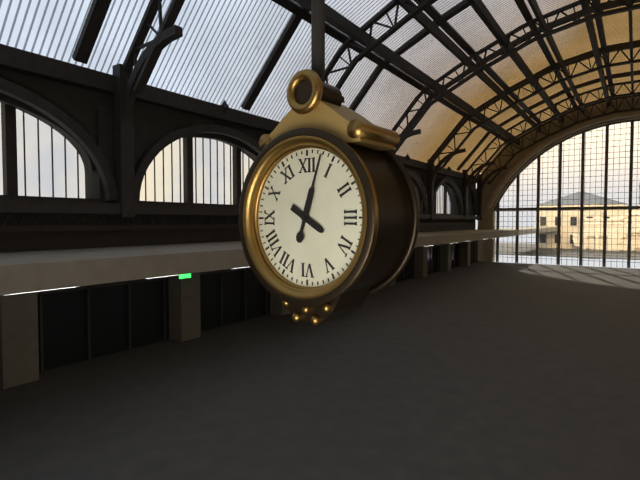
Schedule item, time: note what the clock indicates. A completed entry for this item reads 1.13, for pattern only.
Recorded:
4.03
